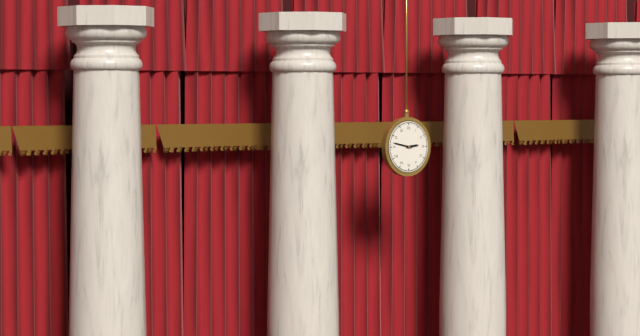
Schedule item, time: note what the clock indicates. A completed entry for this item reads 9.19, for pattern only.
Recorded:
2.47
